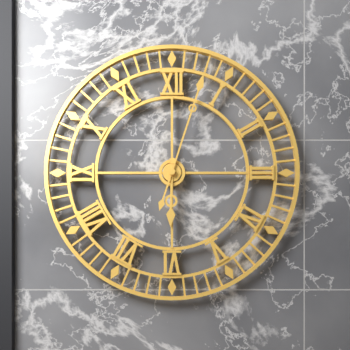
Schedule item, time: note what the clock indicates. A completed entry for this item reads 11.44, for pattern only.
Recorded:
6.03
